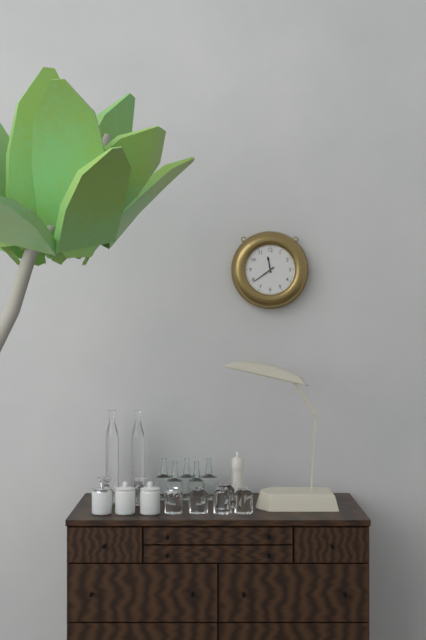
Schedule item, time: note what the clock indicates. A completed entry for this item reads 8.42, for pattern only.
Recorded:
11.39
